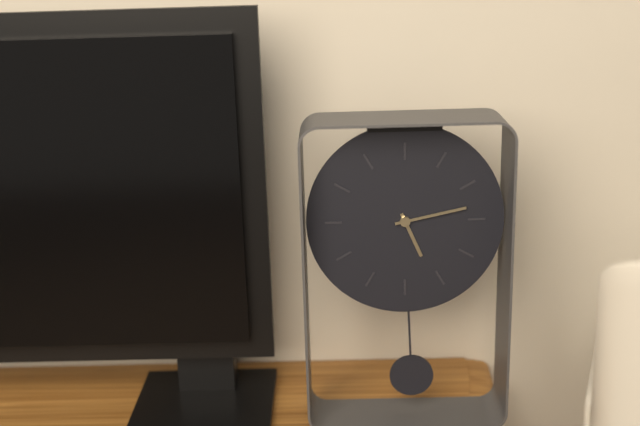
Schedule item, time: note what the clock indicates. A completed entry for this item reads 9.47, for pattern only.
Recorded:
5.13
